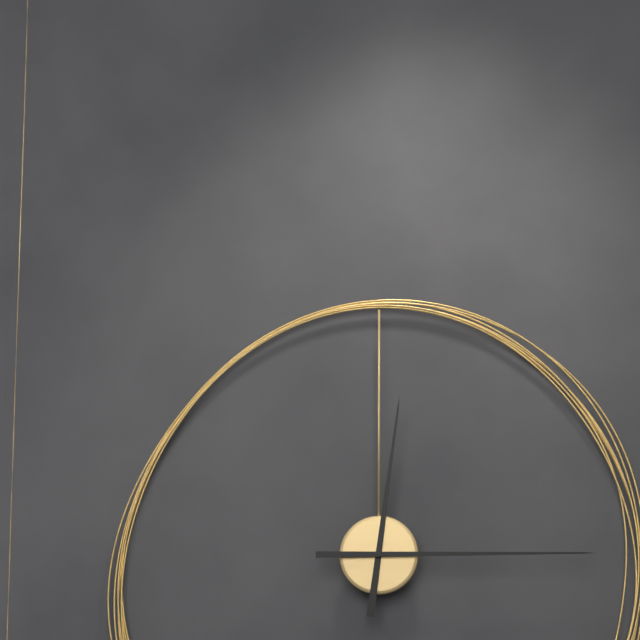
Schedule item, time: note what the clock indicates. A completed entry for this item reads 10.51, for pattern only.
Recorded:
12.15
